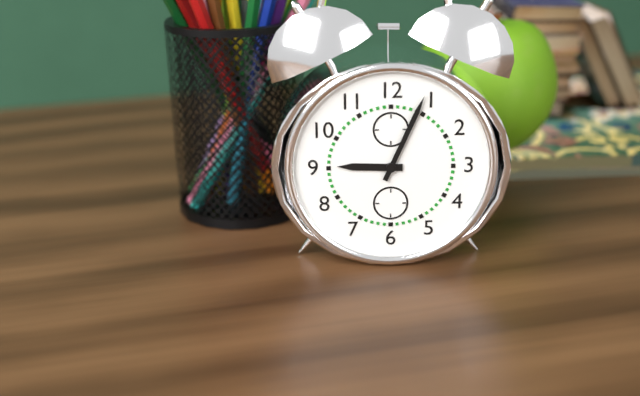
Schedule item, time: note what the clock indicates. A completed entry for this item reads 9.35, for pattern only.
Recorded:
9.04
